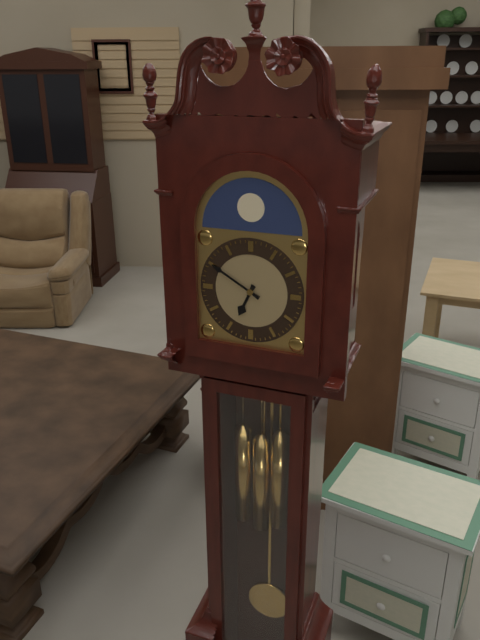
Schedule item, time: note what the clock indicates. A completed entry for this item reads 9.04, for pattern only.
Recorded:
6.50
